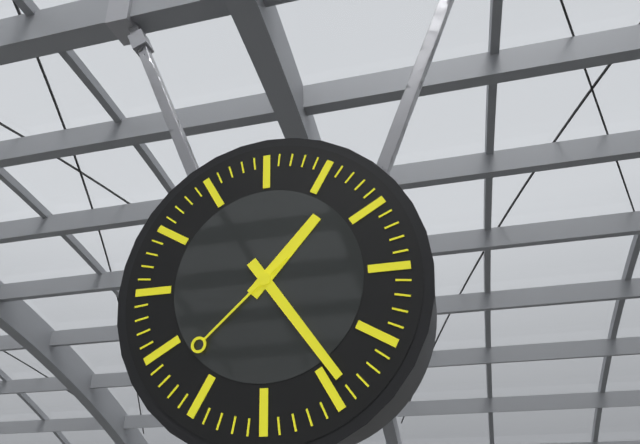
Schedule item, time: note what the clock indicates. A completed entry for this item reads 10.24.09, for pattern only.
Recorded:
1.24.38
